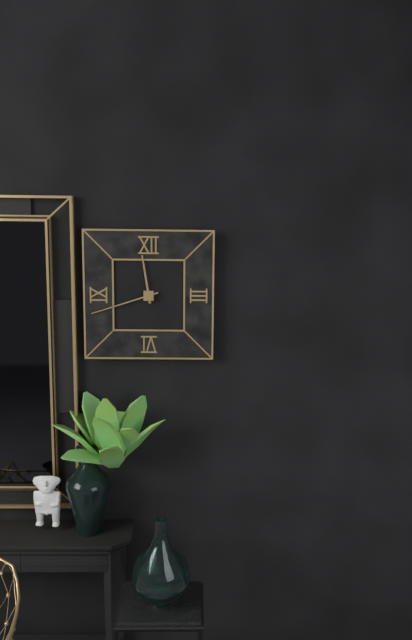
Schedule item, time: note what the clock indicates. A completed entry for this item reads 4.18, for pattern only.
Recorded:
11.42
